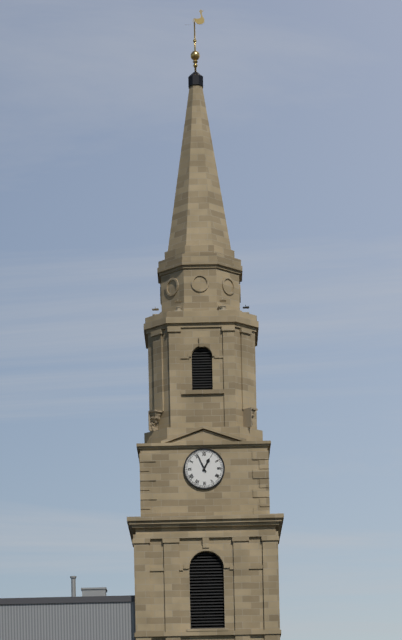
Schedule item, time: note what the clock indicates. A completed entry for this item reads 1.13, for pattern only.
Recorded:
12.56
